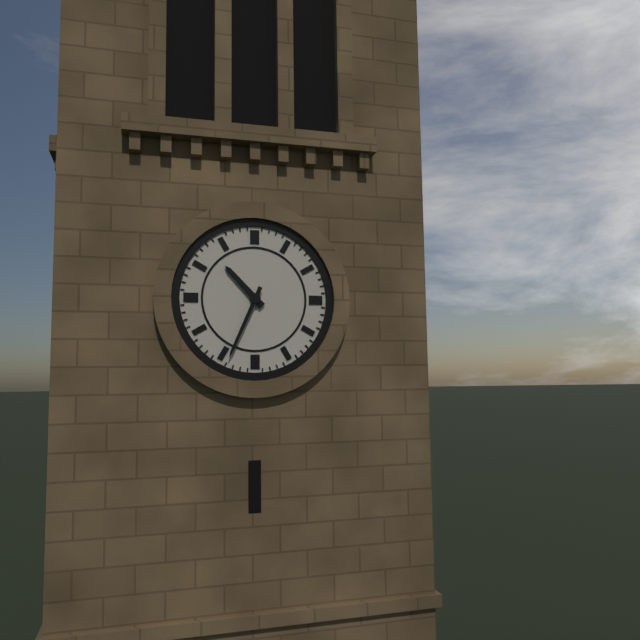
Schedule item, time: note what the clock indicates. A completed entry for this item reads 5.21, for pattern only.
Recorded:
10.34
